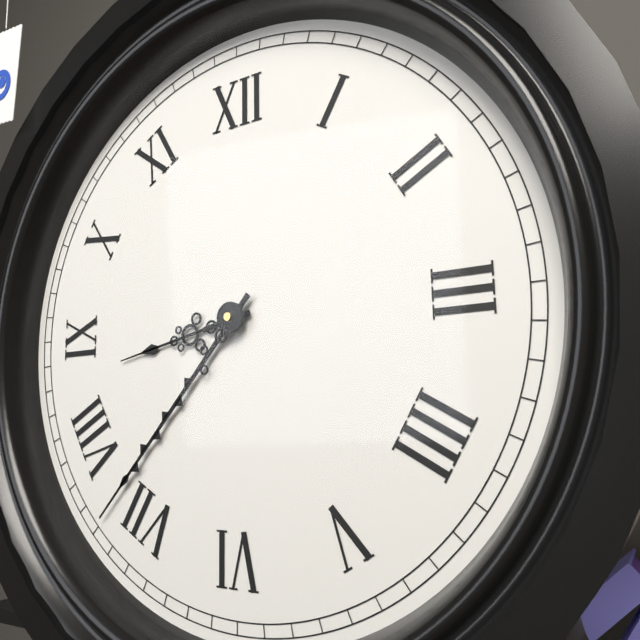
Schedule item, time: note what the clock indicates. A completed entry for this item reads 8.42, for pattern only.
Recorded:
8.37
